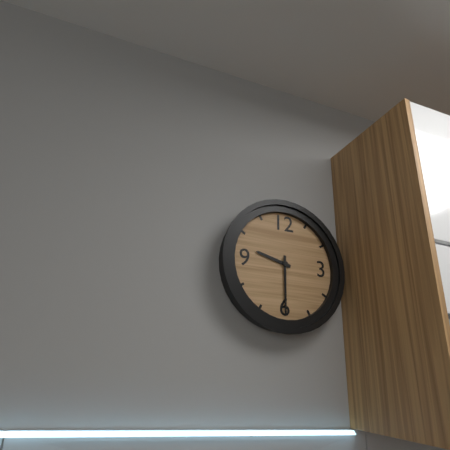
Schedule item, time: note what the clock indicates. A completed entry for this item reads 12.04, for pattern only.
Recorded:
9.30
